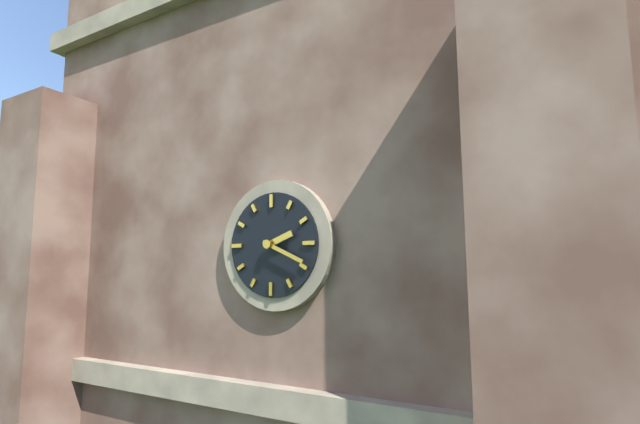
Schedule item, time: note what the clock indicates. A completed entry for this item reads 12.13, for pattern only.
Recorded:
2.19
